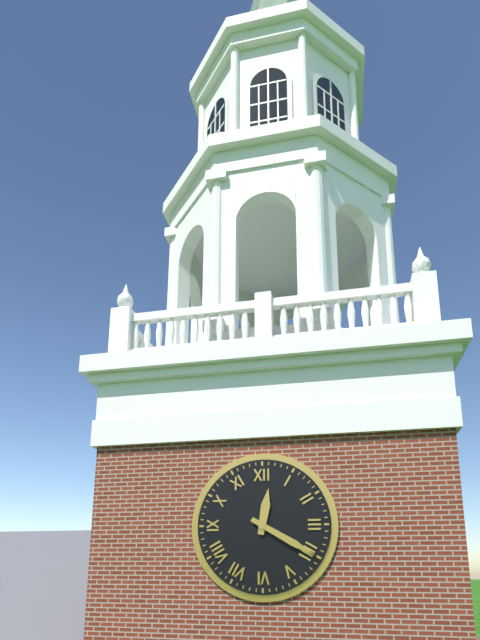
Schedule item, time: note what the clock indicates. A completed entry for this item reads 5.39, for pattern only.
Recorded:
12.20
